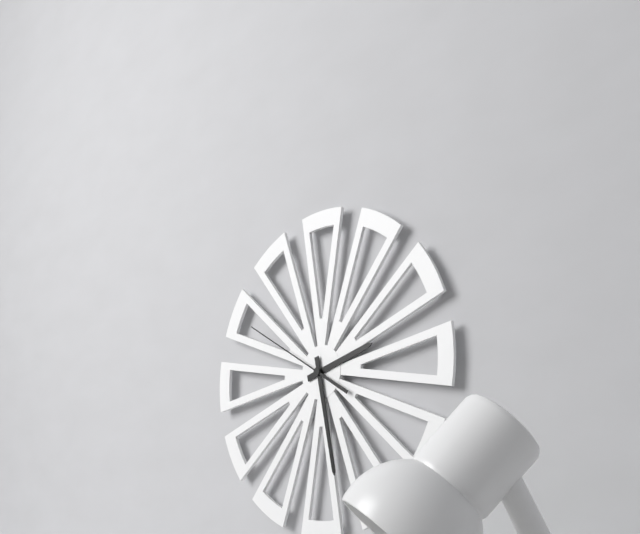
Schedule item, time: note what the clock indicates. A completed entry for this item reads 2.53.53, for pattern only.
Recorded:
2.28.50
